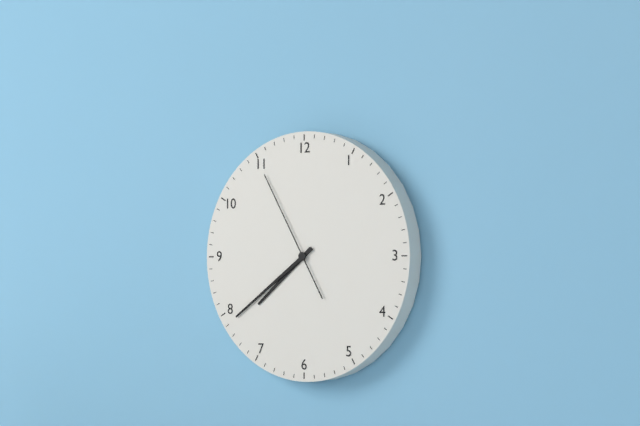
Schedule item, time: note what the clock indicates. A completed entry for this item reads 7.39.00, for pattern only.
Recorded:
7.39.55
